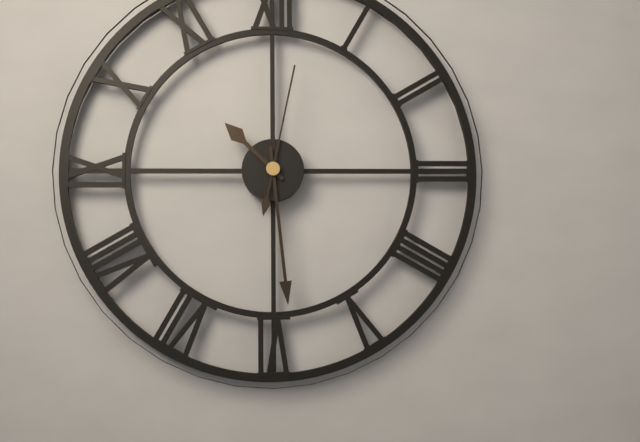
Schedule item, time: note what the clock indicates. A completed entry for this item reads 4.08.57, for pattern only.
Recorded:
10.29.02
